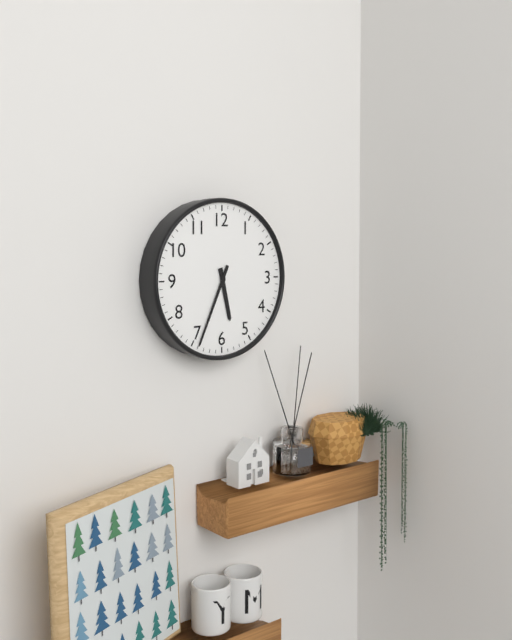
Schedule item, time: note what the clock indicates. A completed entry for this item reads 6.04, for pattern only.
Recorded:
5.34
